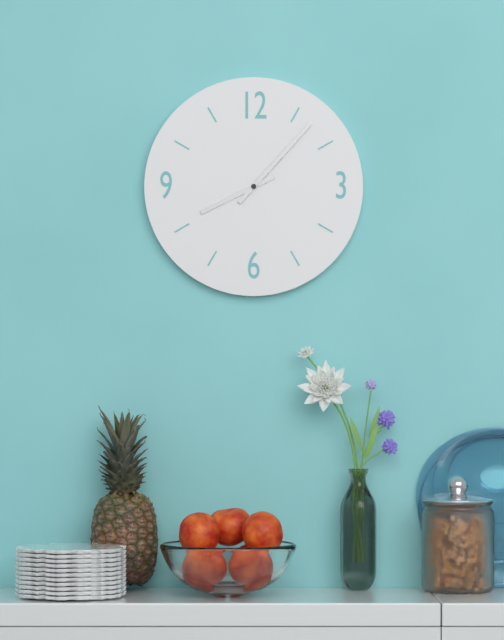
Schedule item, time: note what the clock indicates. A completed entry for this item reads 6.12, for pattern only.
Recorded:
8.07
